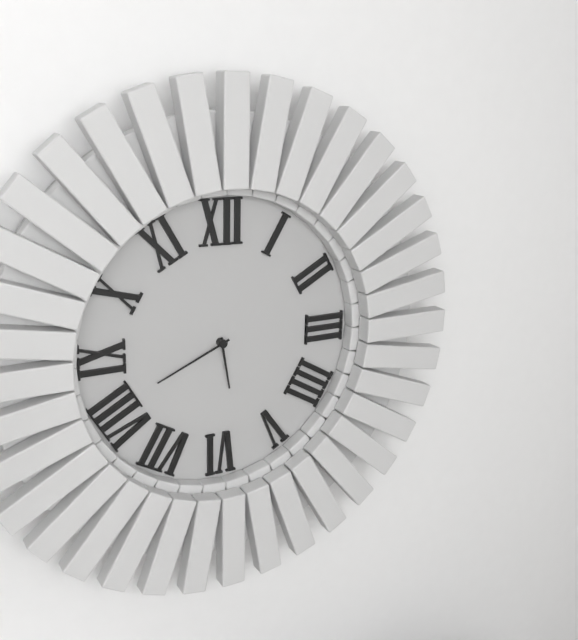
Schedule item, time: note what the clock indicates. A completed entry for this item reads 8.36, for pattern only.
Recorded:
5.41
